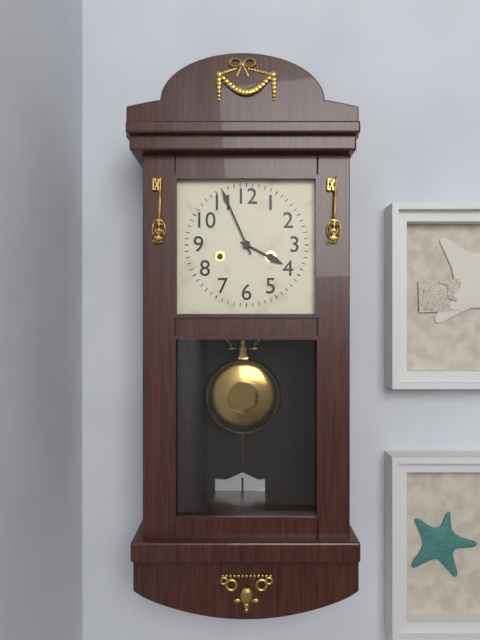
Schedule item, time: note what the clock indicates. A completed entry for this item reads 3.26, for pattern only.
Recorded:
3.56
